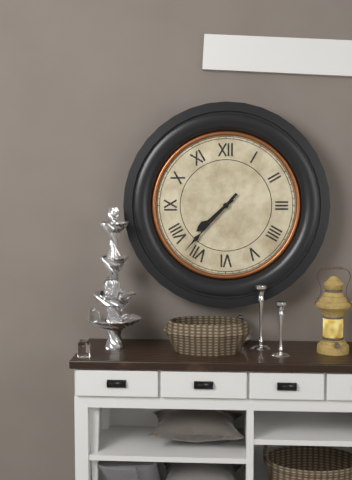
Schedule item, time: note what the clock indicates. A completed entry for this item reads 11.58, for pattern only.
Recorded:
7.37
